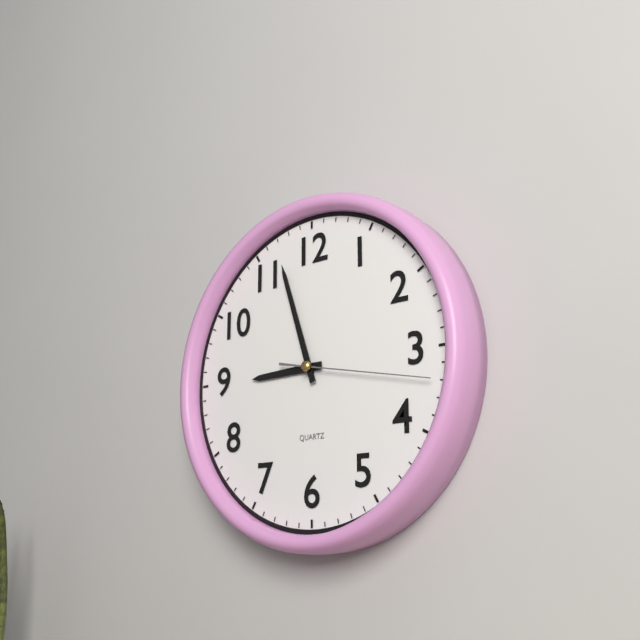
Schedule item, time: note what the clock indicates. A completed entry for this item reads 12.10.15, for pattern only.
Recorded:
8.57.17
